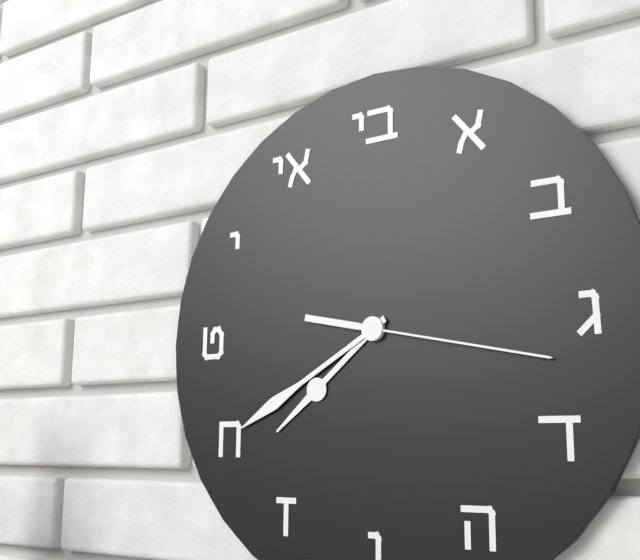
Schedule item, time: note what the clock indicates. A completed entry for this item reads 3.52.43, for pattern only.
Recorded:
7.40.17
